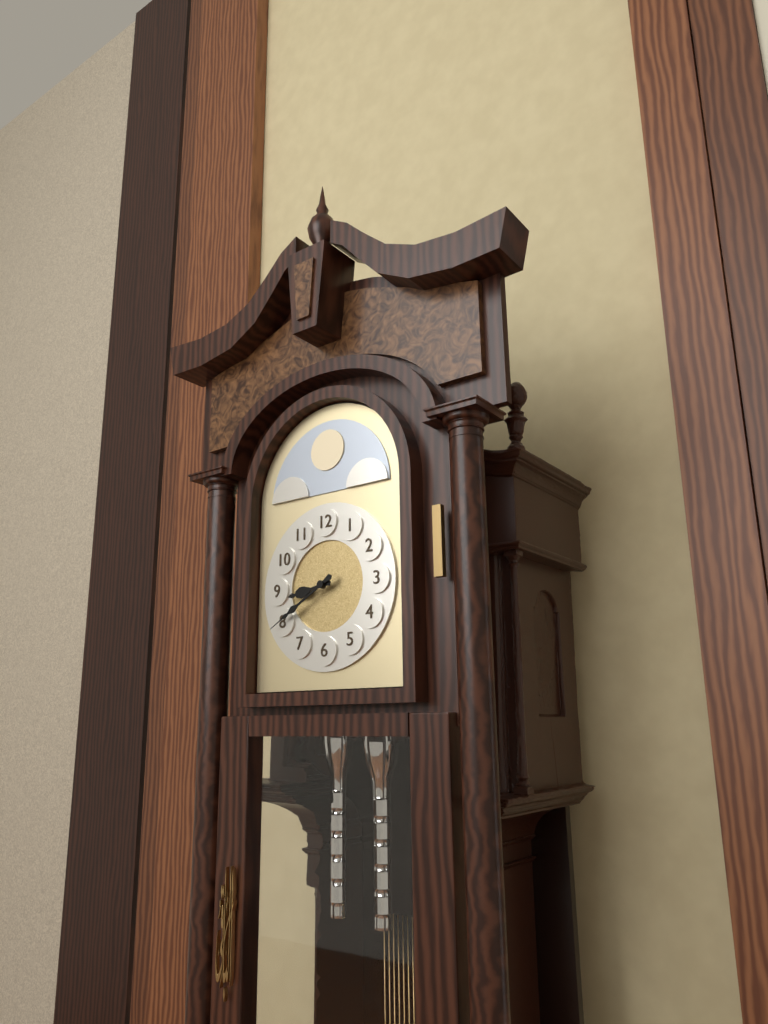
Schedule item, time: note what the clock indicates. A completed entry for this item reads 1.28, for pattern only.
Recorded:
8.40
